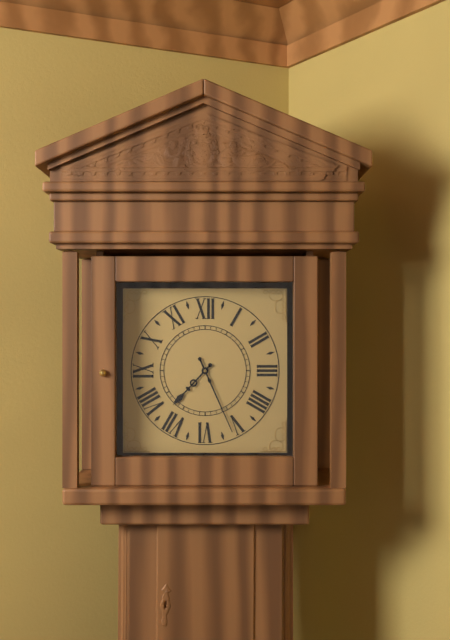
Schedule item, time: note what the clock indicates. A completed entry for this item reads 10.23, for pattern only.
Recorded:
7.26
